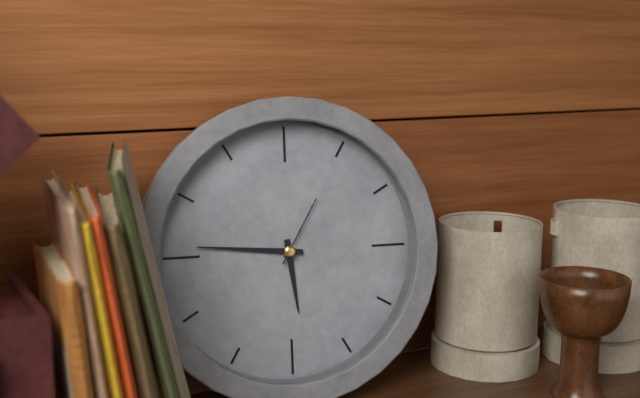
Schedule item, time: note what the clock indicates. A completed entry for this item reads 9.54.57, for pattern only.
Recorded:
5.46.05
